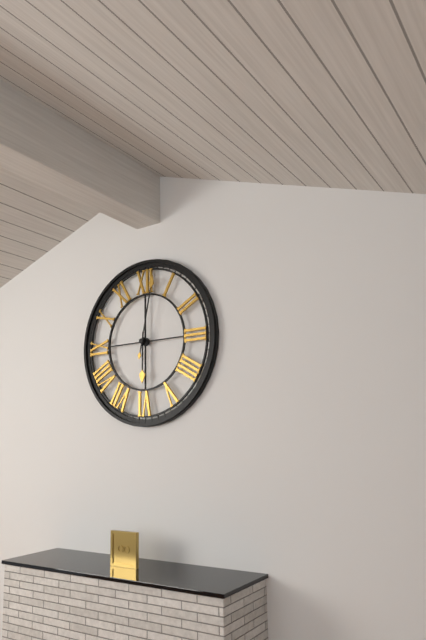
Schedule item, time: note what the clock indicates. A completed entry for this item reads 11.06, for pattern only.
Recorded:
6.02
